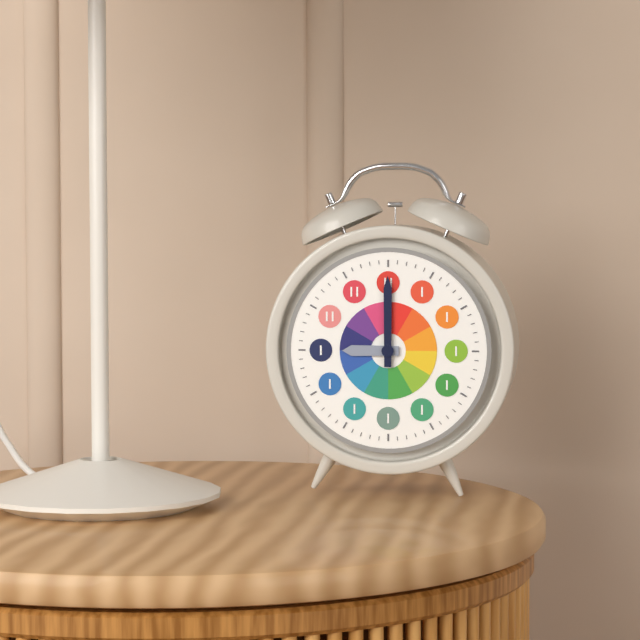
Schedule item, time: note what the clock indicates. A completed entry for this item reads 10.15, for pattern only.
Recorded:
9.00
